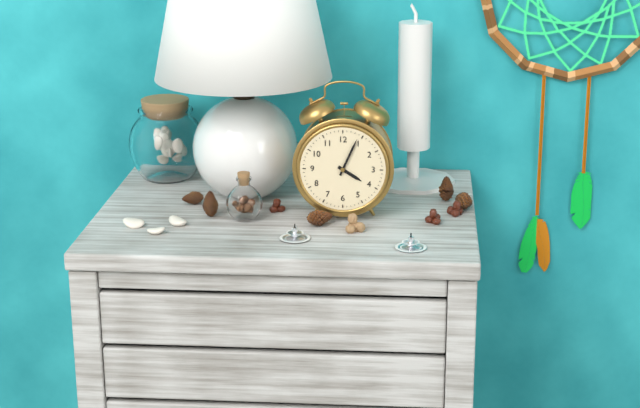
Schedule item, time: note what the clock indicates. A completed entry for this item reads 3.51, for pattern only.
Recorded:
4.04
